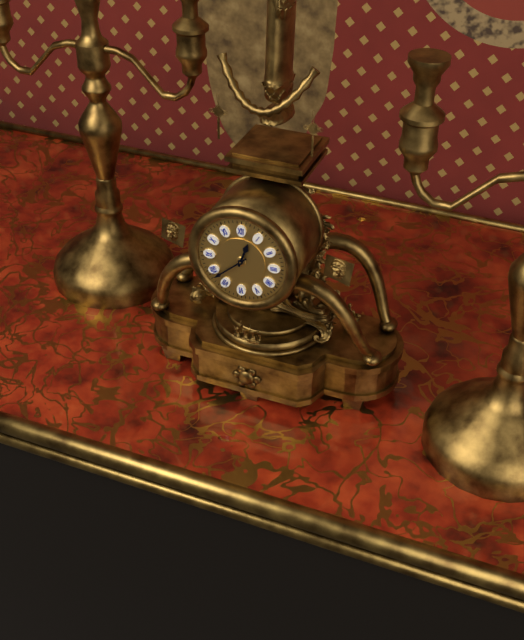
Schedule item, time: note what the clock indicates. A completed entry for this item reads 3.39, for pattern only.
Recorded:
12.38
